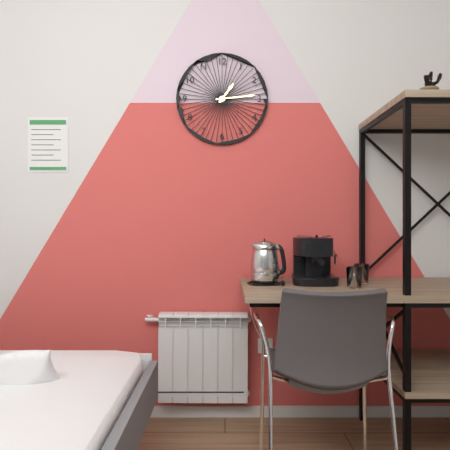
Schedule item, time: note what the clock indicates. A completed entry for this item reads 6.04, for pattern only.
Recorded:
1.14
